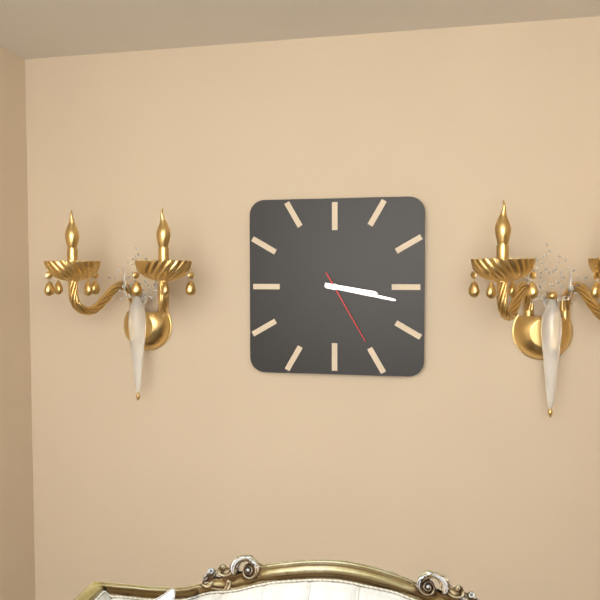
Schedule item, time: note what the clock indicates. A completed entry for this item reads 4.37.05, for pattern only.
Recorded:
3.17.25
